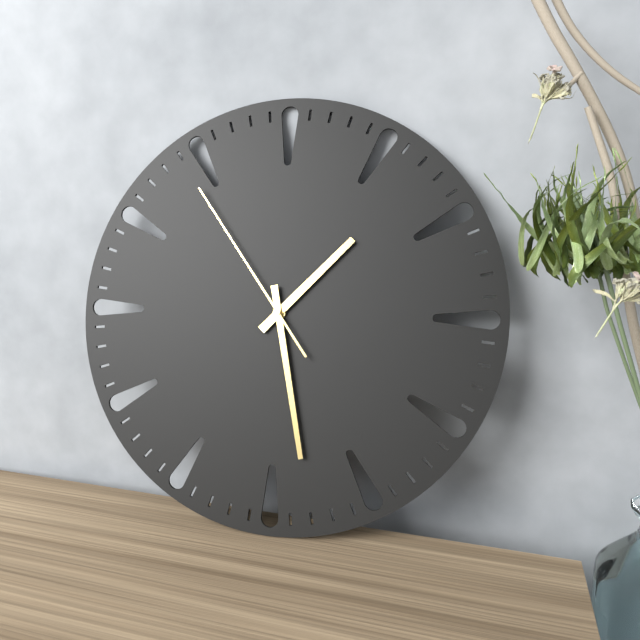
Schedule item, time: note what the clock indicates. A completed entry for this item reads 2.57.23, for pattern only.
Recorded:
1.28.54
